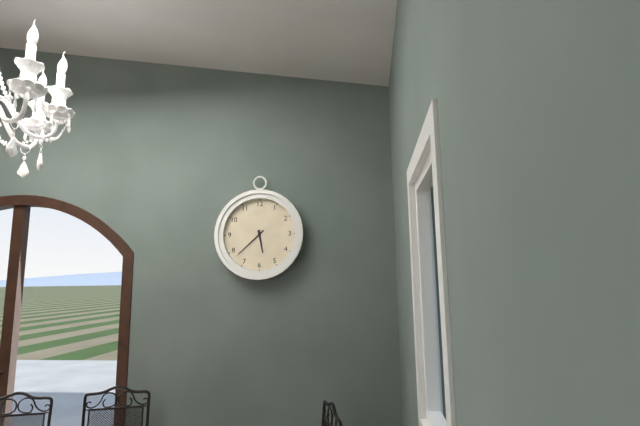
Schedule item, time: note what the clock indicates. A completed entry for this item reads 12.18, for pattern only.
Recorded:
5.38
